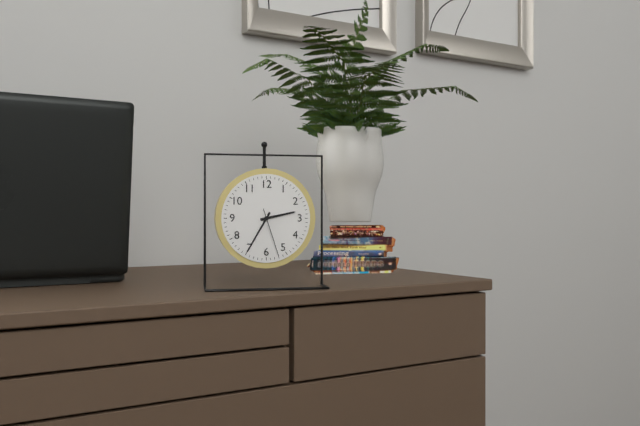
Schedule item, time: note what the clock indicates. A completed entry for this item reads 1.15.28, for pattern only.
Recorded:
2.35.27
